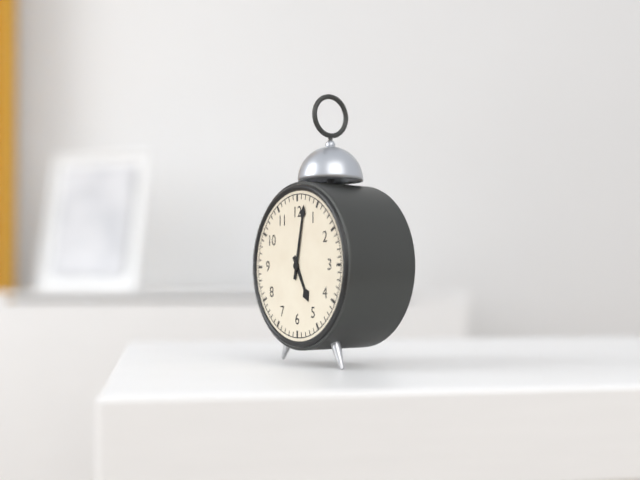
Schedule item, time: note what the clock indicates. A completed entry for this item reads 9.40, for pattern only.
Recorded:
5.02
